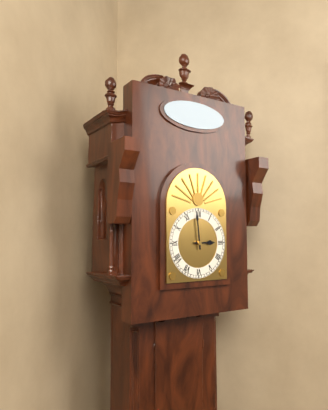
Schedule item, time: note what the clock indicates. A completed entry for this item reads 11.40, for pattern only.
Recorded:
2.59
